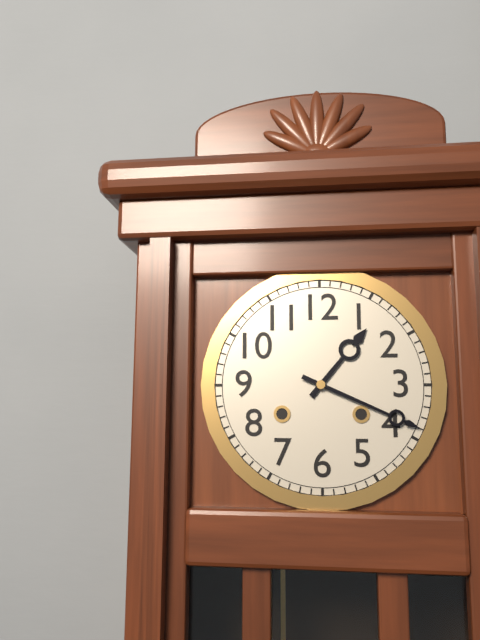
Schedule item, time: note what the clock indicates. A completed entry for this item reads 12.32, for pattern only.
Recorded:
1.19
